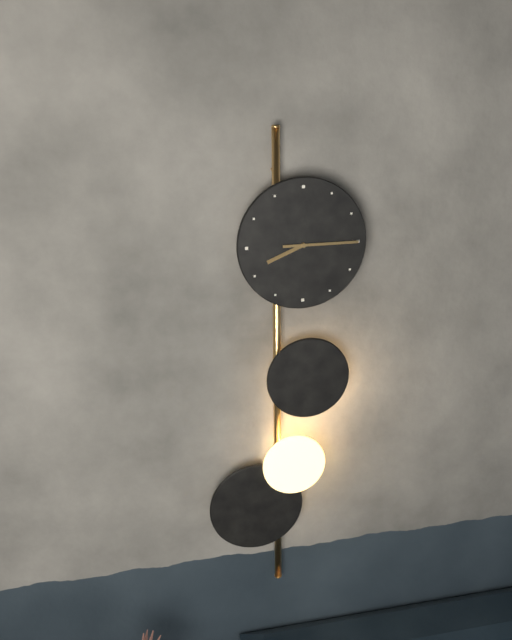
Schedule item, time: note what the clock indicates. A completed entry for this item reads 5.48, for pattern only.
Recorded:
8.15
